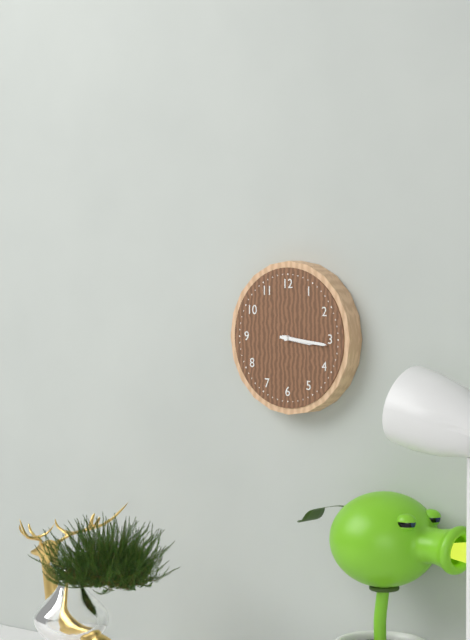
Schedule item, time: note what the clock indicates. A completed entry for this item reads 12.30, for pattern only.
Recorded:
3.16
